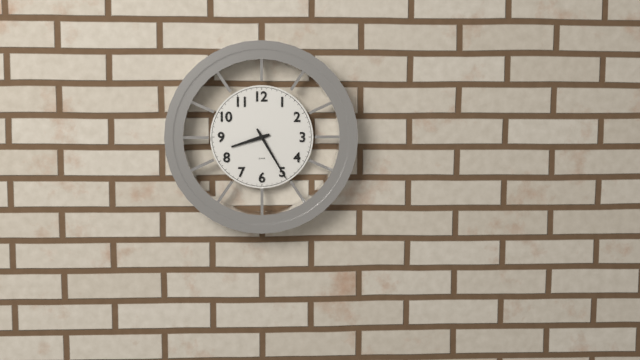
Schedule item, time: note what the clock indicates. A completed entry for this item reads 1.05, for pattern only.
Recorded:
8.25
